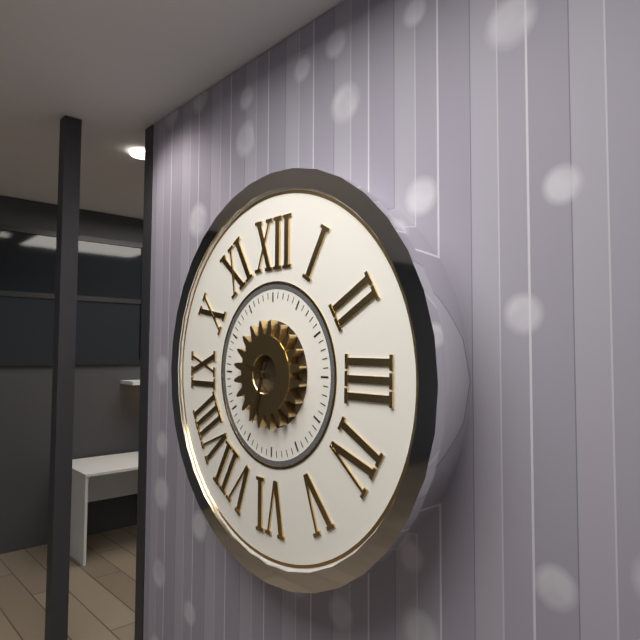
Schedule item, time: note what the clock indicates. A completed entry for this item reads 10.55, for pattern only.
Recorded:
9.33
